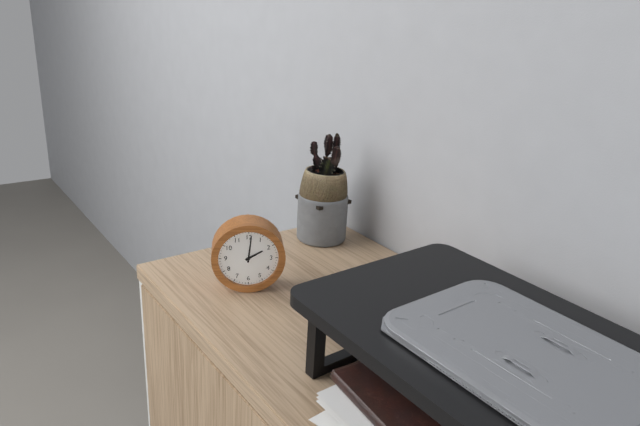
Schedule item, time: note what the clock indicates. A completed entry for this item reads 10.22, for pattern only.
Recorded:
2.01
